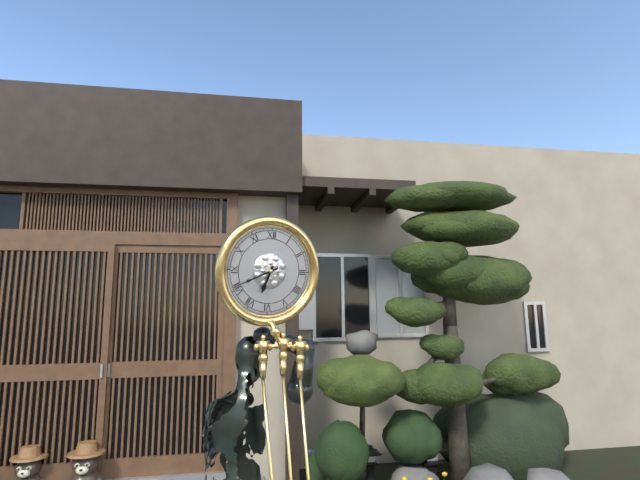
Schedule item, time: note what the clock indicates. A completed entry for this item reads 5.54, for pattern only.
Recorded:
6.41
